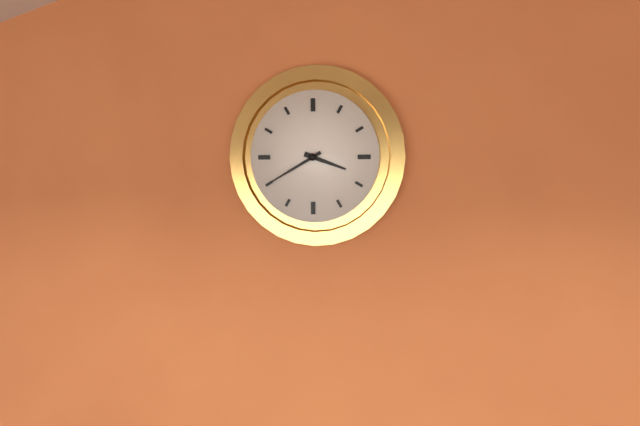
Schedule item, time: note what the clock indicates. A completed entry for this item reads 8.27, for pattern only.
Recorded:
3.40
